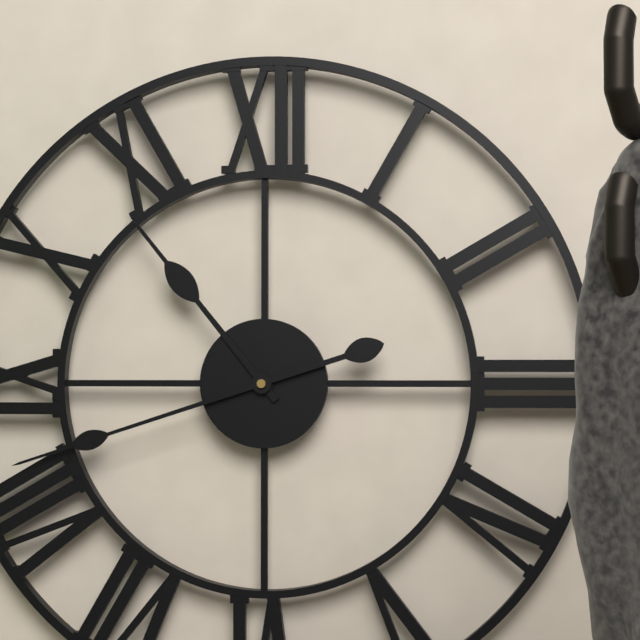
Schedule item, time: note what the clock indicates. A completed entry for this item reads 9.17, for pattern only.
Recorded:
10.42
